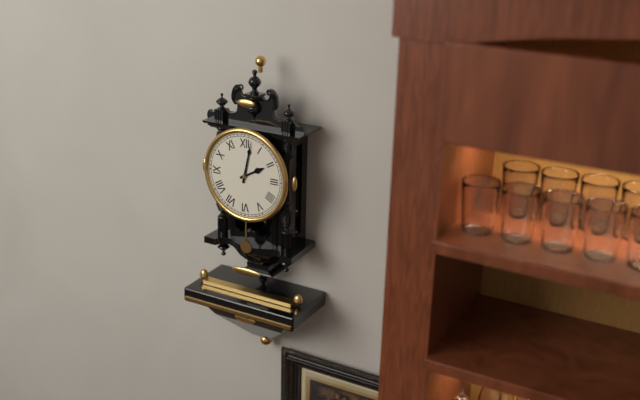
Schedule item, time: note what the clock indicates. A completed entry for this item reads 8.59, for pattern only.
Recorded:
2.02
